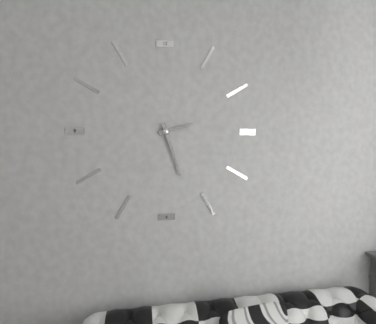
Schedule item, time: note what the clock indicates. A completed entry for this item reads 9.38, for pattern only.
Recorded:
2.27
